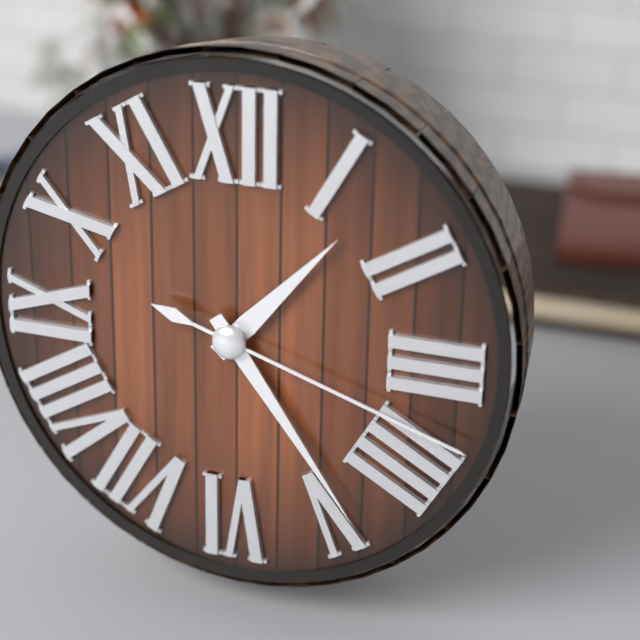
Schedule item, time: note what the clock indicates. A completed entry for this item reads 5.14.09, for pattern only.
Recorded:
1.24.18
